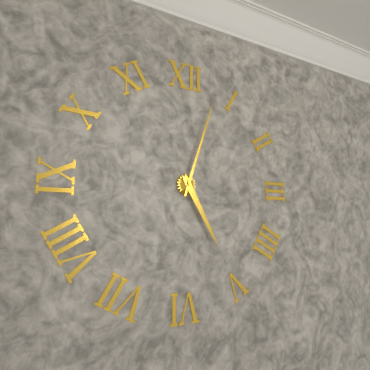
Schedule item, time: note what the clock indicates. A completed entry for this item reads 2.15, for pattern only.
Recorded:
5.03
